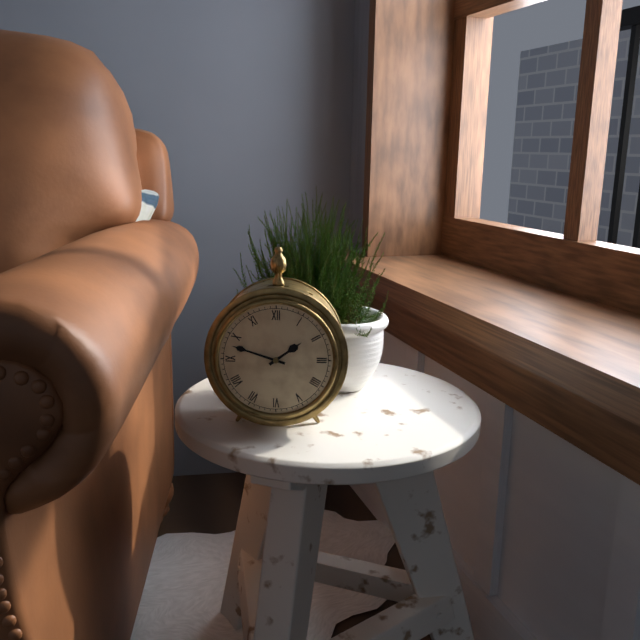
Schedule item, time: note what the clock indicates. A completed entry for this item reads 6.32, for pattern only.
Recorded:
1.48
